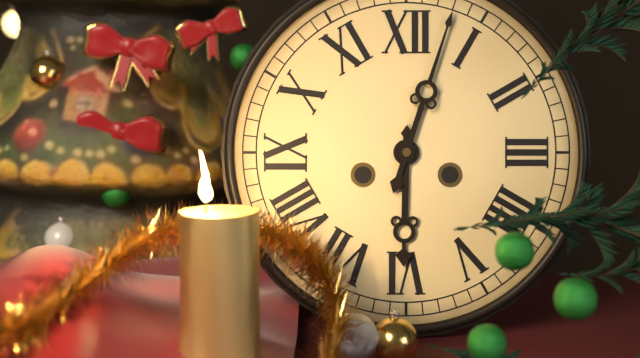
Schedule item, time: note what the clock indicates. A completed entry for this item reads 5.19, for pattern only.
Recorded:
6.03
